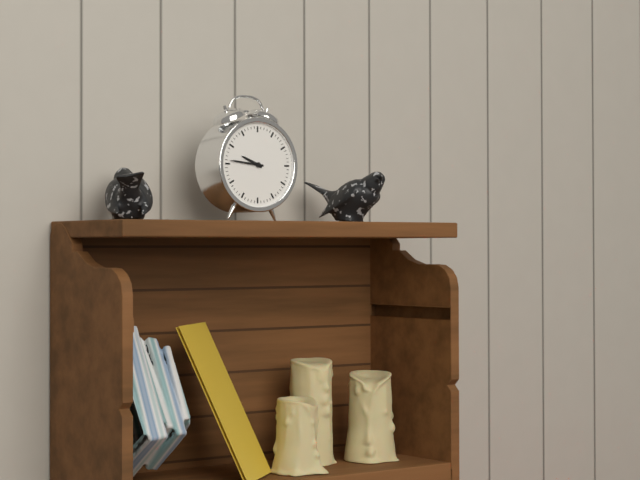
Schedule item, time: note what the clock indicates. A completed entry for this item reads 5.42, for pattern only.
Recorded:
9.46
